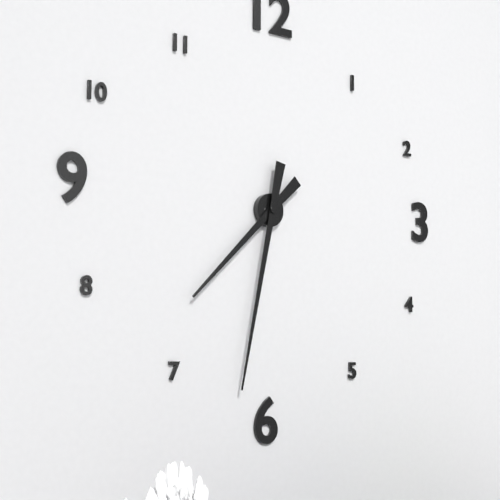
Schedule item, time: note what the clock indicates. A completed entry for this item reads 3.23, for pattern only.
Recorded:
7.32
